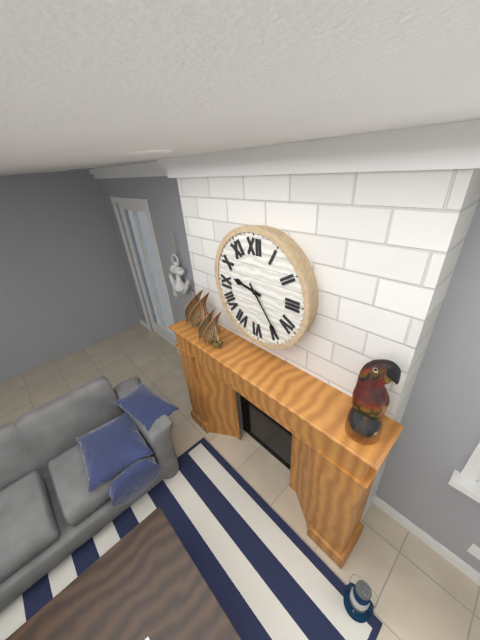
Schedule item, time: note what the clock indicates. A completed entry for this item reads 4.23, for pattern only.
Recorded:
9.24
